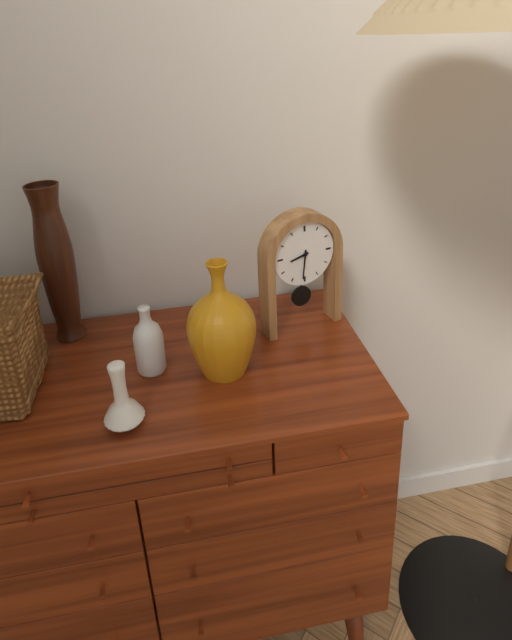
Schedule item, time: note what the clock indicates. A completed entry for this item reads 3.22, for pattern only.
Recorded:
8.31
